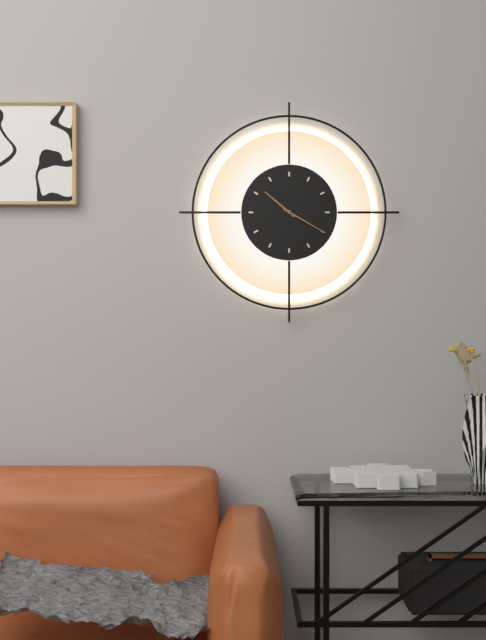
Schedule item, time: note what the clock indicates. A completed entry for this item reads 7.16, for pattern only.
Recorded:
10.20
